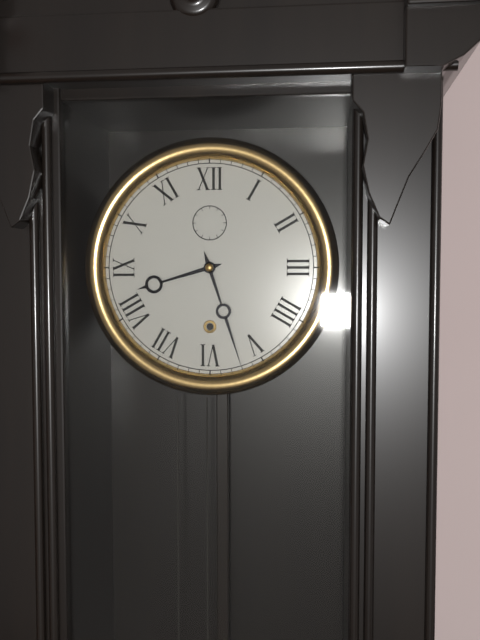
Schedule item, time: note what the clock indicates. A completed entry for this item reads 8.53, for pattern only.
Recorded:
8.27
